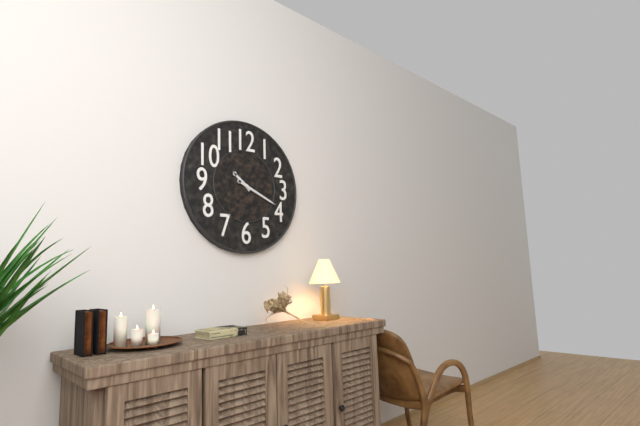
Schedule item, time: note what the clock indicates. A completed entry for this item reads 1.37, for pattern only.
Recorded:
10.19
